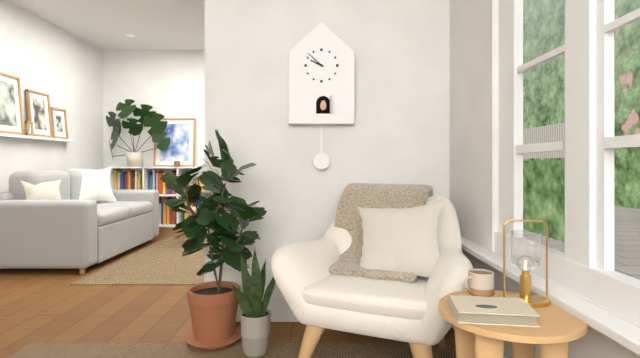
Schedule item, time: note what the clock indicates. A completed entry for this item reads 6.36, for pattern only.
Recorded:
9.52
